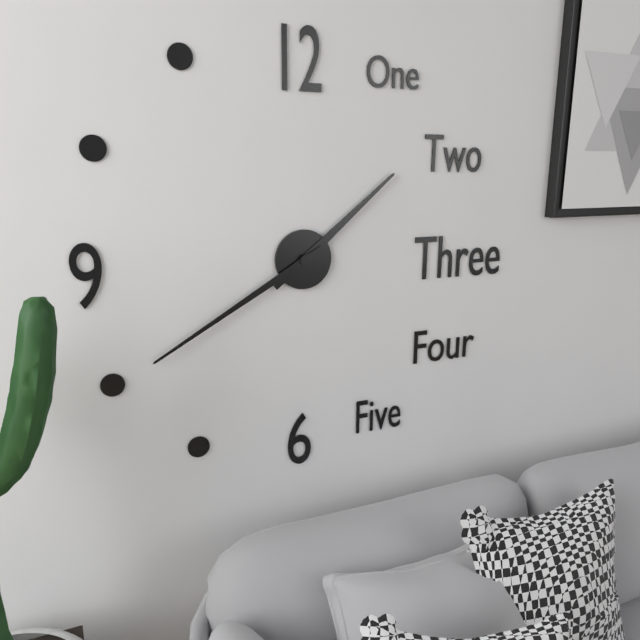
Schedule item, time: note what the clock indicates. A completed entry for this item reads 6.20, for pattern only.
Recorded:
1.40
